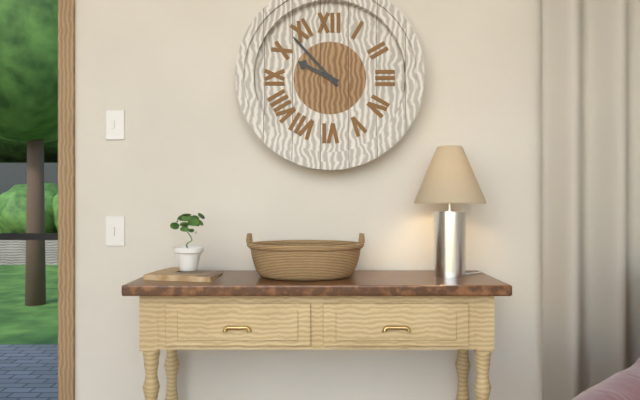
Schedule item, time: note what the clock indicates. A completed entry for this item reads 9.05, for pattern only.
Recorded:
9.53
